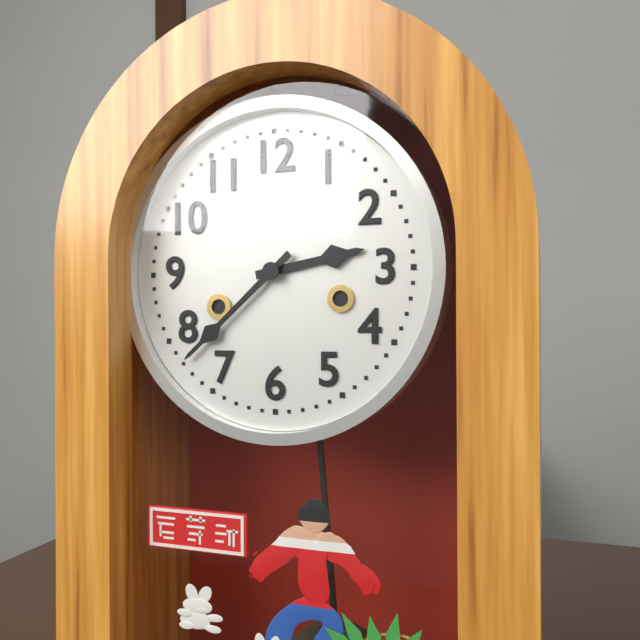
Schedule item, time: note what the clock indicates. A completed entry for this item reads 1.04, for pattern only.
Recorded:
2.38
